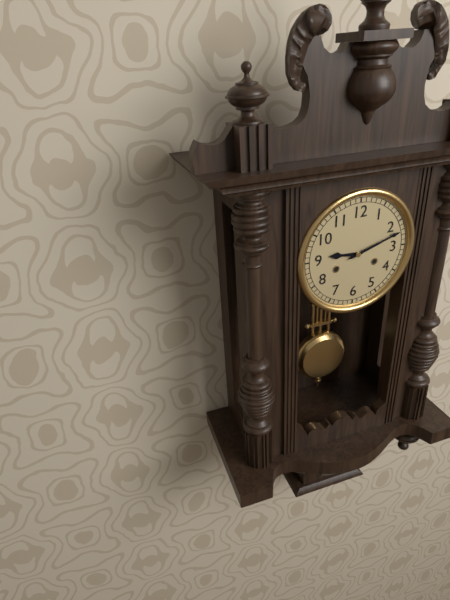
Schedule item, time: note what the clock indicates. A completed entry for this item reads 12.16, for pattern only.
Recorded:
9.12
